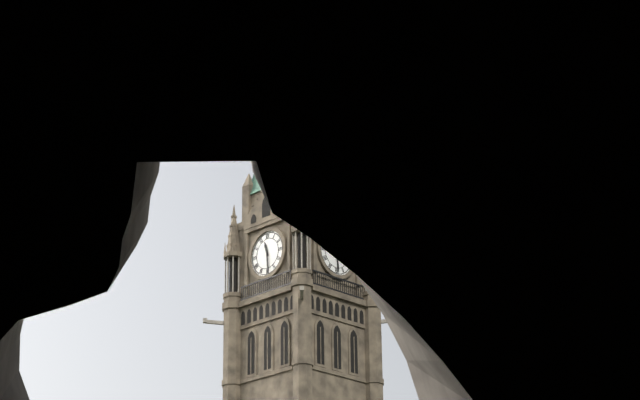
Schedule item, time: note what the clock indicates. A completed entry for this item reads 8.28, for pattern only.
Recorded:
11.29
